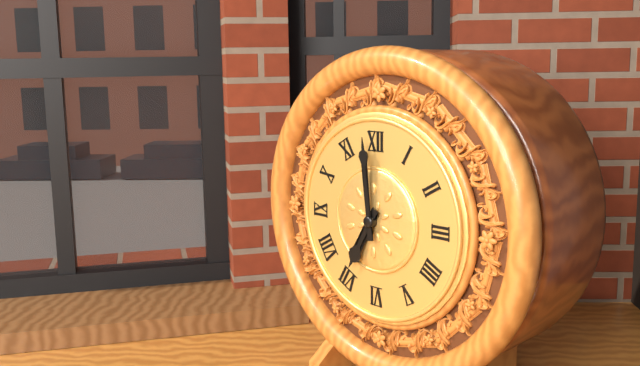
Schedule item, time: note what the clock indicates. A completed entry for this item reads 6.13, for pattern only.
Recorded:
6.59
